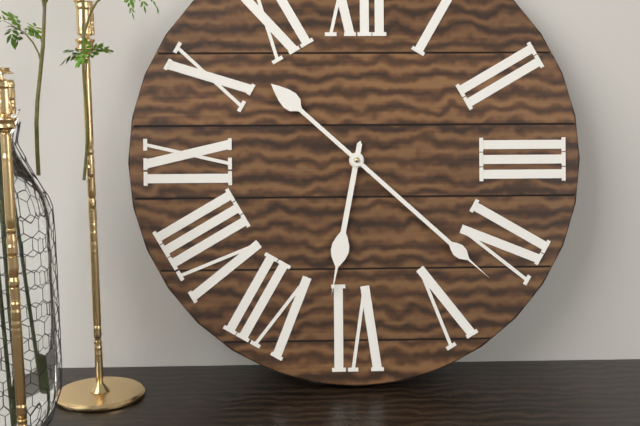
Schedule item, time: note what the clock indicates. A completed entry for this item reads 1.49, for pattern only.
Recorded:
6.22
